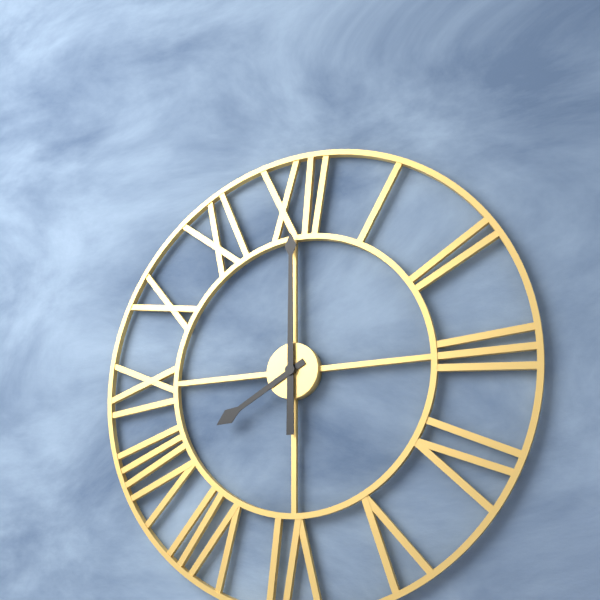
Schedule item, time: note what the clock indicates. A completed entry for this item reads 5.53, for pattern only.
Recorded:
8.00
